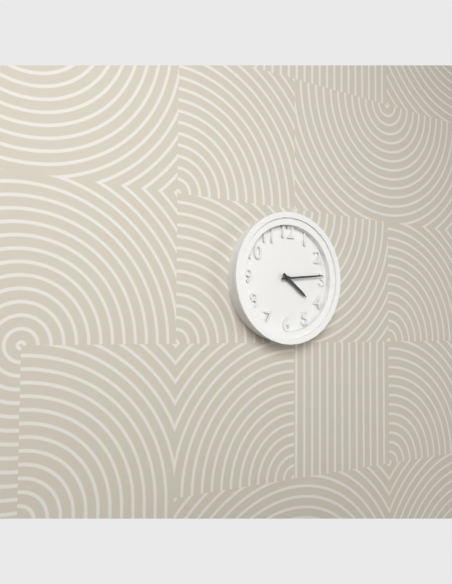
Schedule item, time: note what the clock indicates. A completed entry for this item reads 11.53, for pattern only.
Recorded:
4.14
